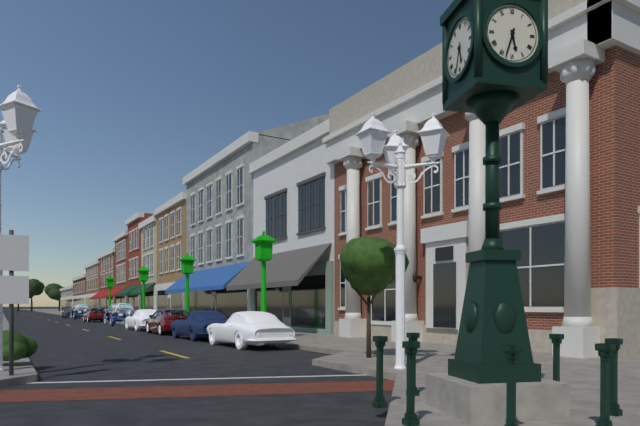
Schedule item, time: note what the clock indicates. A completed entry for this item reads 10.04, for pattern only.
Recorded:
5.33
